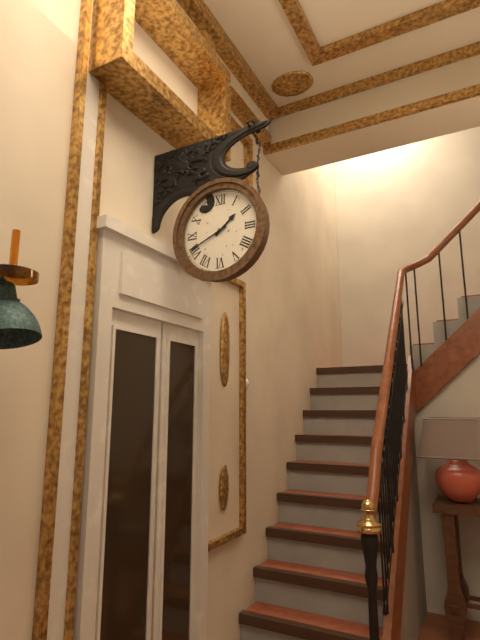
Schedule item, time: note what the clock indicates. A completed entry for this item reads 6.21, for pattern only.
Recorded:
1.41
